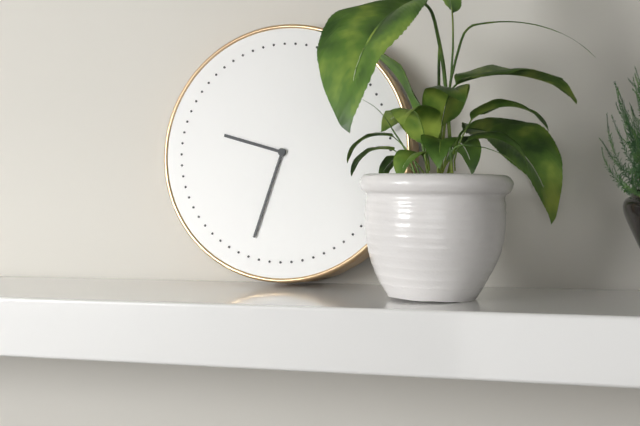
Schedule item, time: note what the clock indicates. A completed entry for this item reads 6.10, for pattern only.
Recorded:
9.33
